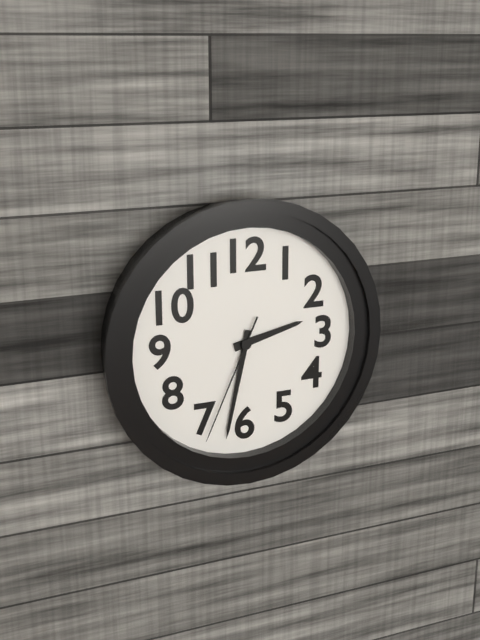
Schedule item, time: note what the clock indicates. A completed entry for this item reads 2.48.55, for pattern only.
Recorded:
2.32.34
